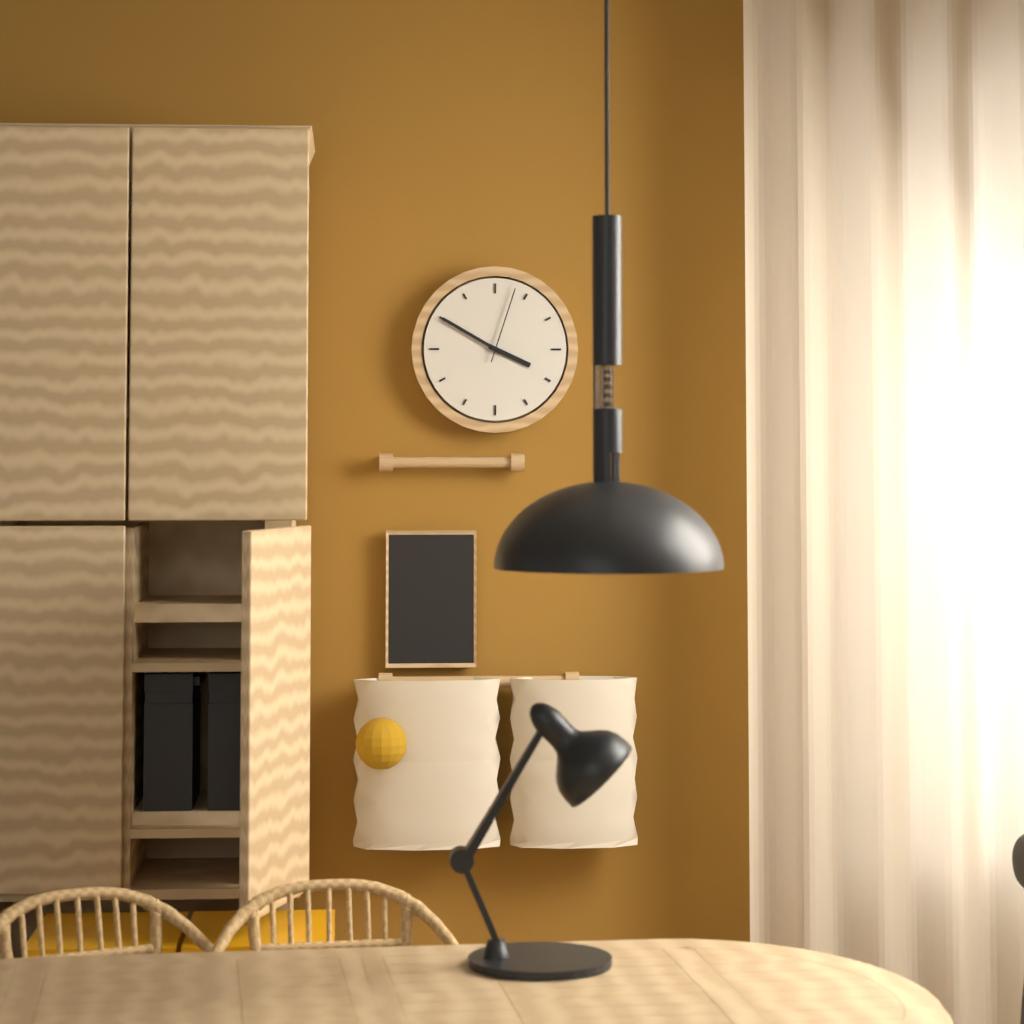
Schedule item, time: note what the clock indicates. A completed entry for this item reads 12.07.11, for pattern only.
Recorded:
3.50.03
